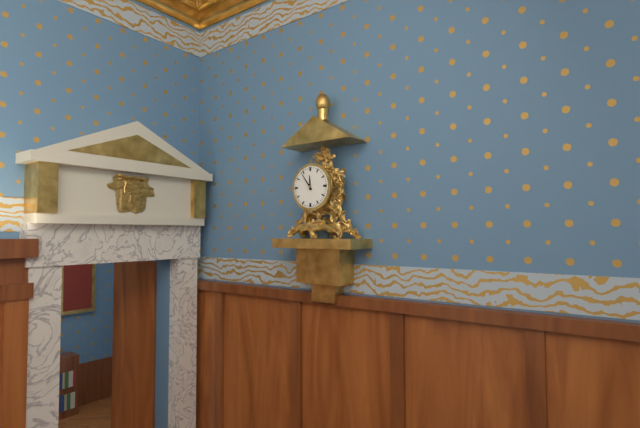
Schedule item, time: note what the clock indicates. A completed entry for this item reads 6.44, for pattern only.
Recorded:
11.54
